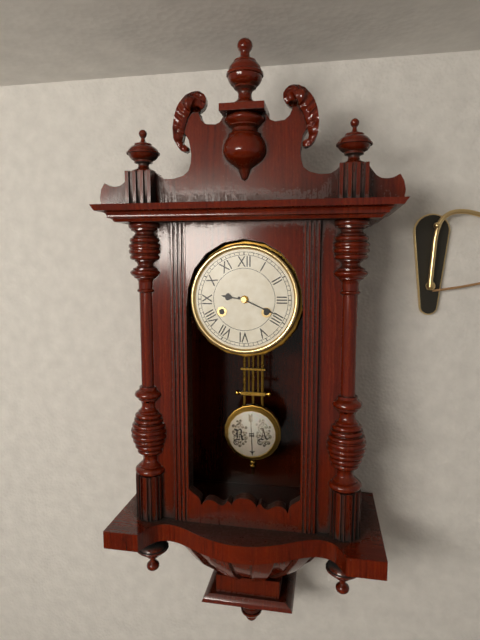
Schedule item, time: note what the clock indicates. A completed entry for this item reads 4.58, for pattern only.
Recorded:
9.19
